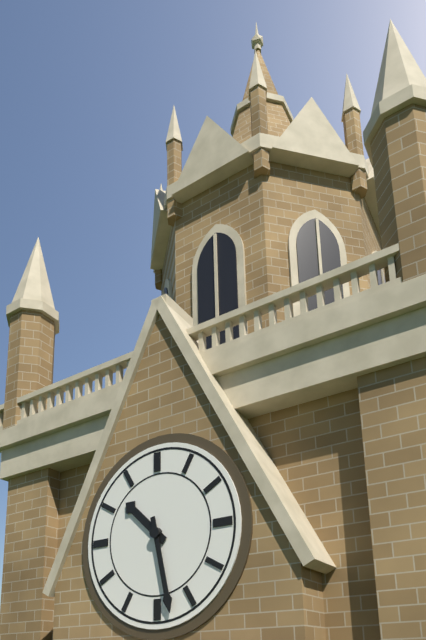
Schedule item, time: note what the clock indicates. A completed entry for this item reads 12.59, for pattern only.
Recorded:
10.28
